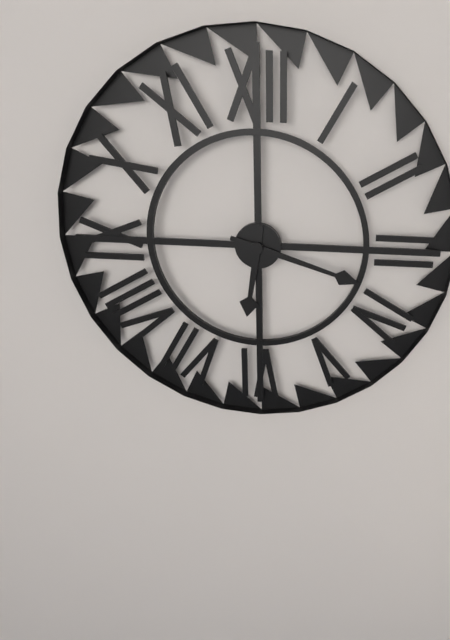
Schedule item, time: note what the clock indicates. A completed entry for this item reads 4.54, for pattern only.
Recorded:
6.18
